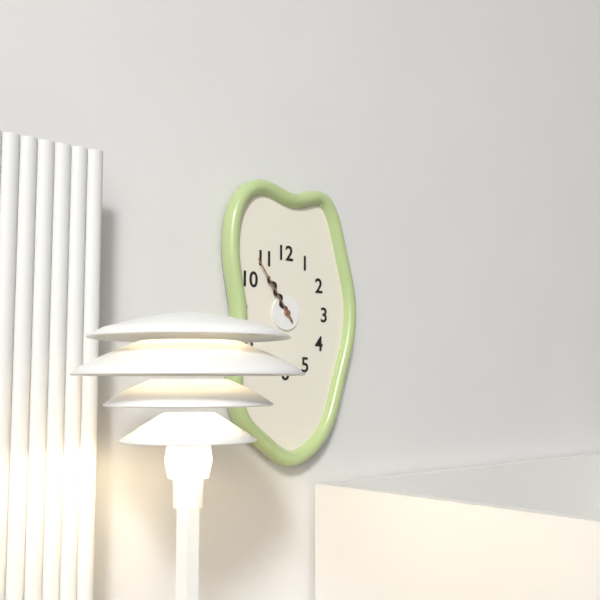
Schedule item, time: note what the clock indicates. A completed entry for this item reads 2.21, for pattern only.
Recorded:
10.54
